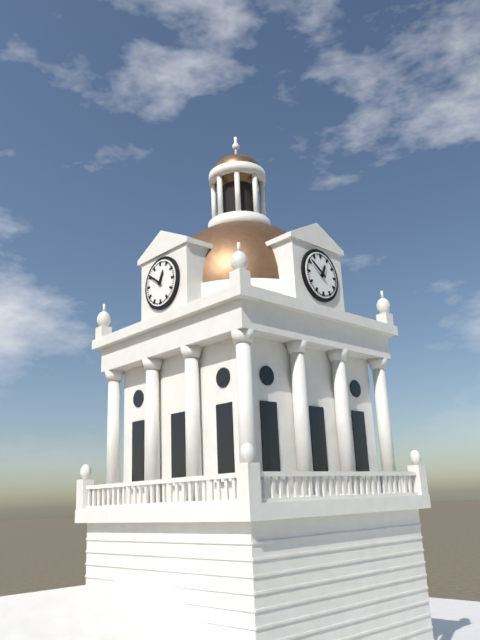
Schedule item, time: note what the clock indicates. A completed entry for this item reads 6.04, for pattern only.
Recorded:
12.51
